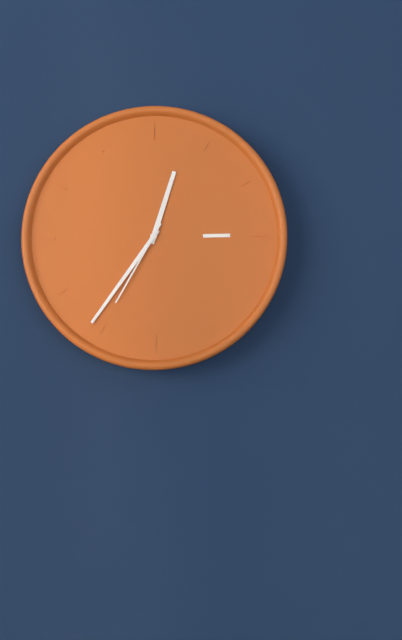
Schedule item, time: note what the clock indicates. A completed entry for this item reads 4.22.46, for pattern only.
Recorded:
12.36.35
